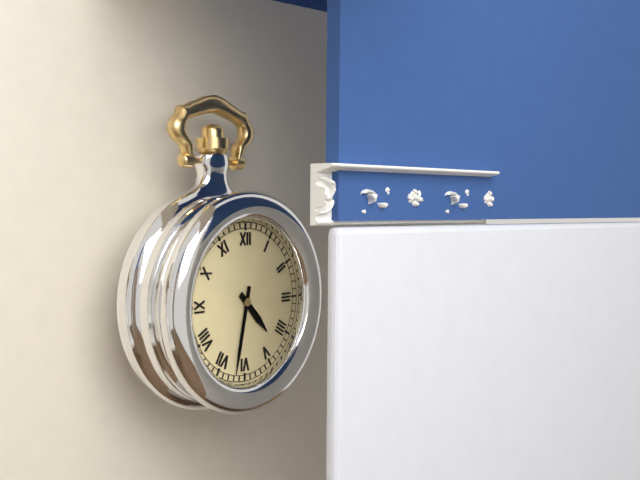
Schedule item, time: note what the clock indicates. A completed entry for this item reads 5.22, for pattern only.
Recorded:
4.32
